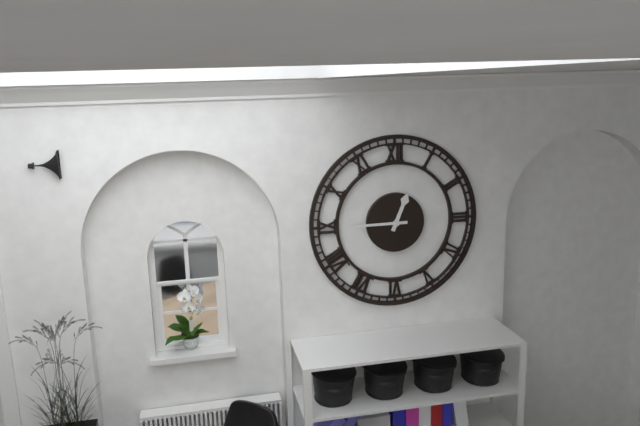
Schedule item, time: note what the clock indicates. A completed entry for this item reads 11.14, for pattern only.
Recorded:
12.45
